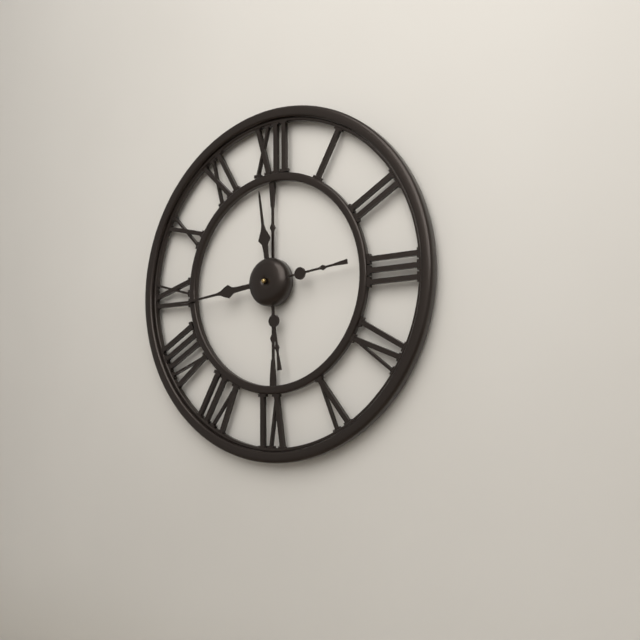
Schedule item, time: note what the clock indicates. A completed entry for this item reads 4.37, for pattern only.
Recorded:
11.44
